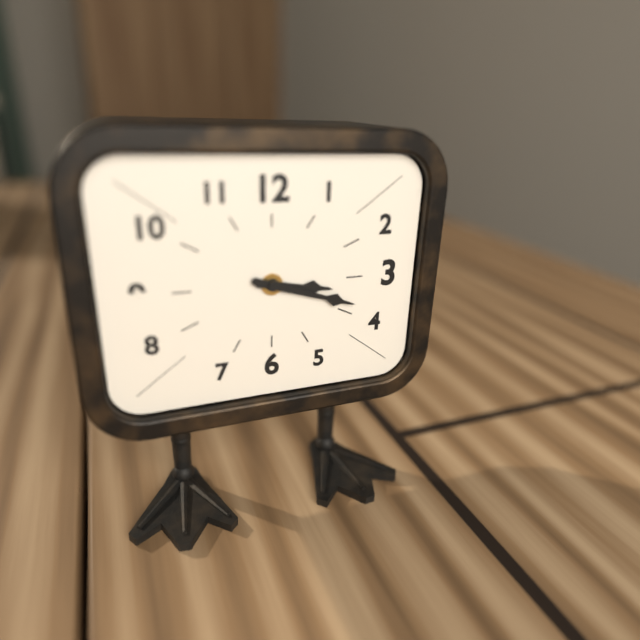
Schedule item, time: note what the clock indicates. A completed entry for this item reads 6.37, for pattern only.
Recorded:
3.18
